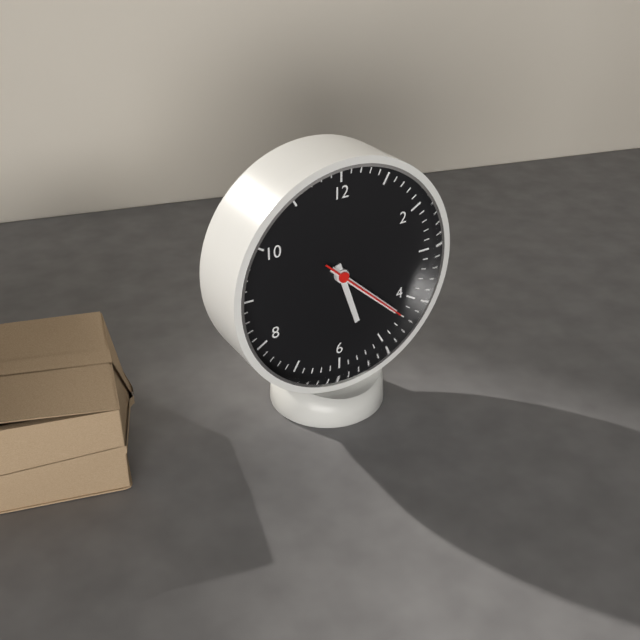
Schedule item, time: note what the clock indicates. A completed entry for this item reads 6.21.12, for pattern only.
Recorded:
5.22.22
